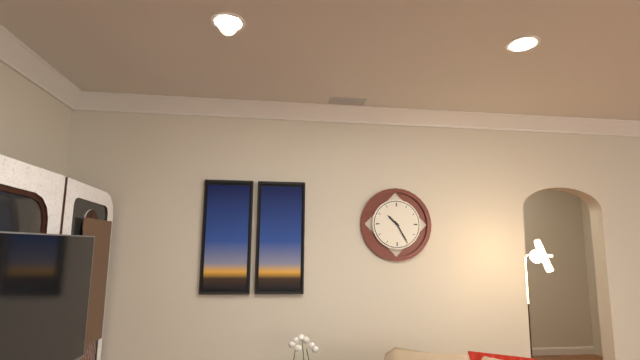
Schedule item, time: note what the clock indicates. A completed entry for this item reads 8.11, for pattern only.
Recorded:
10.25
